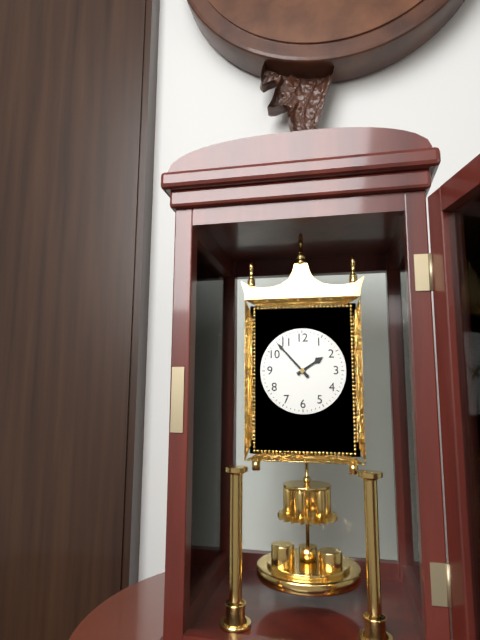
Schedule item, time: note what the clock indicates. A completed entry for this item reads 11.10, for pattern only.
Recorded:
1.53
